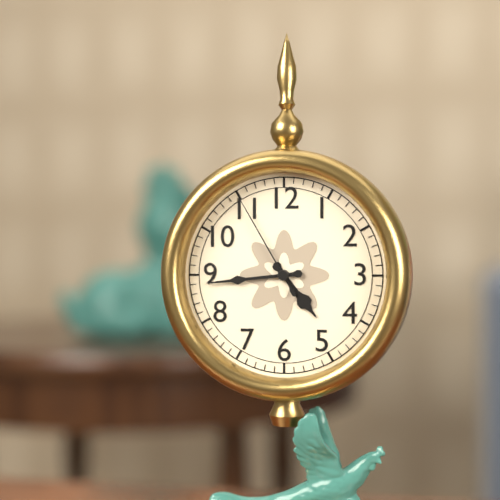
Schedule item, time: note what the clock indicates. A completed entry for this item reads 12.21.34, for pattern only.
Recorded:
4.44.55
